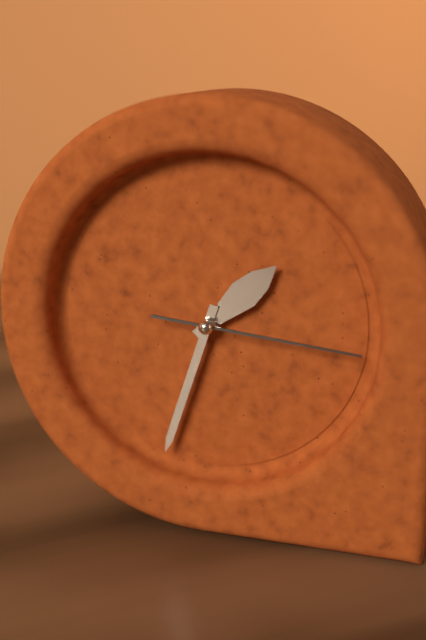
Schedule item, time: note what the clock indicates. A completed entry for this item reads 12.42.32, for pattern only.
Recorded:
1.33.16
